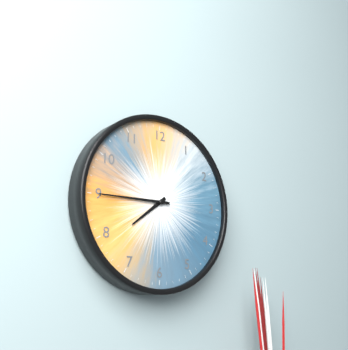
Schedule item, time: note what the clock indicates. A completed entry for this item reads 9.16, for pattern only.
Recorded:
7.45
